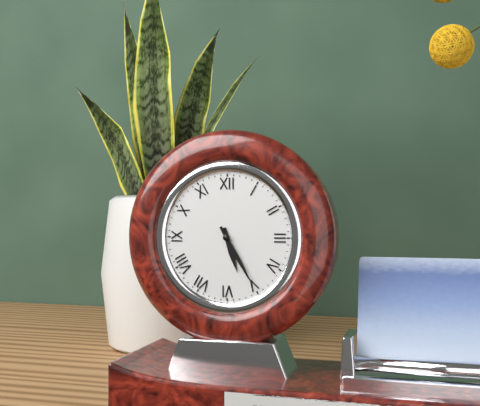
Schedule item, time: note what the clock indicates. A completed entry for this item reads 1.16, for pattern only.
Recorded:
5.25
